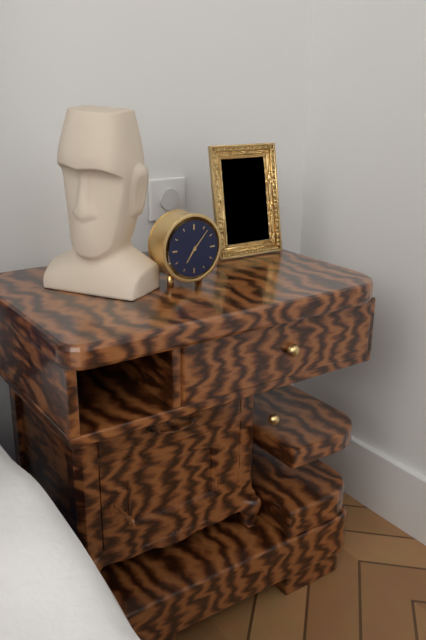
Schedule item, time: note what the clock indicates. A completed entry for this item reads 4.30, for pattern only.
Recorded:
7.07
